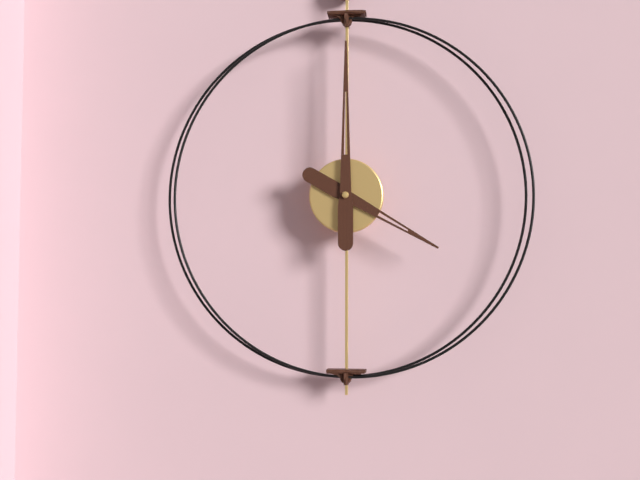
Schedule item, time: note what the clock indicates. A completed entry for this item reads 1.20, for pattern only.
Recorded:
4.00
